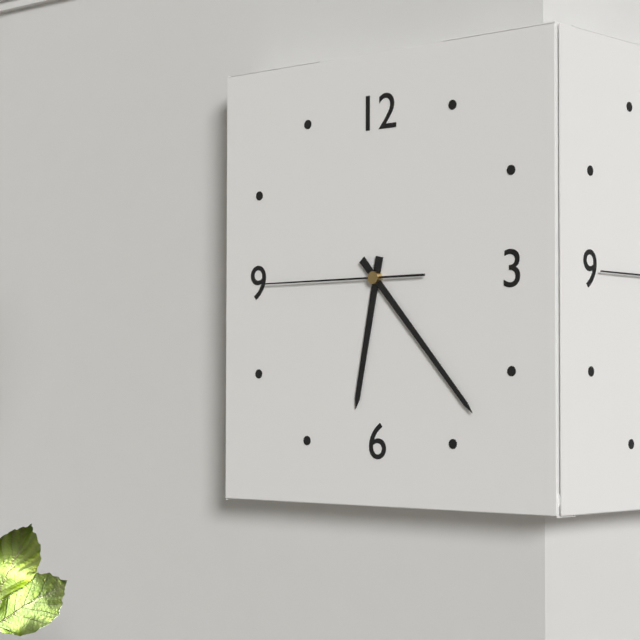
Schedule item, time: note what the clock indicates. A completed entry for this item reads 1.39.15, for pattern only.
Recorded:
6.23.45
